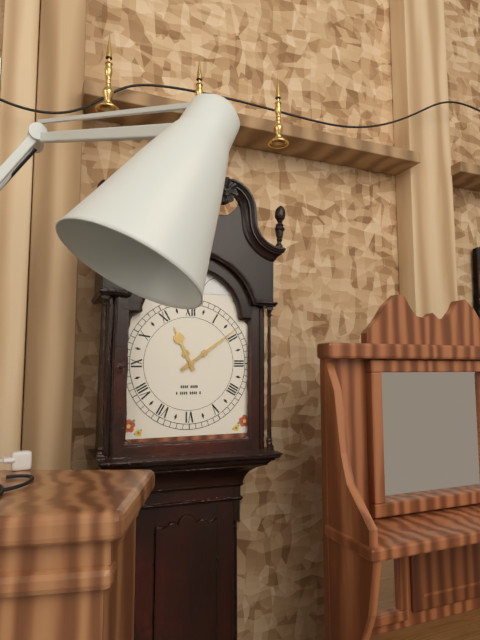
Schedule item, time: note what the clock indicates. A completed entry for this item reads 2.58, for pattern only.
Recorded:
11.09
